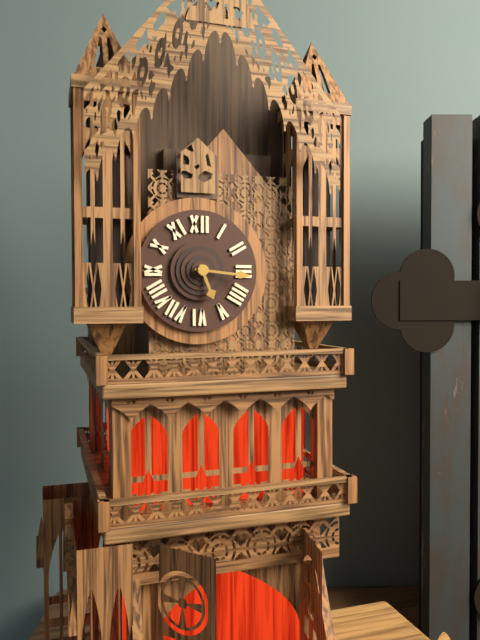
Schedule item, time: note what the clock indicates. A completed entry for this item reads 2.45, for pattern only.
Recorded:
5.16
